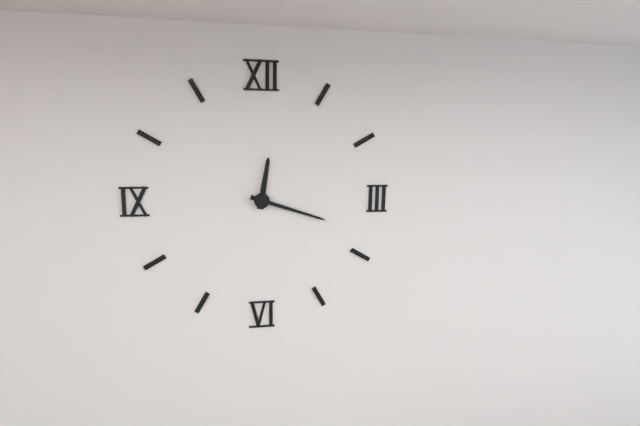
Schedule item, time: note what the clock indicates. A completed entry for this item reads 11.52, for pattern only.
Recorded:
12.18
